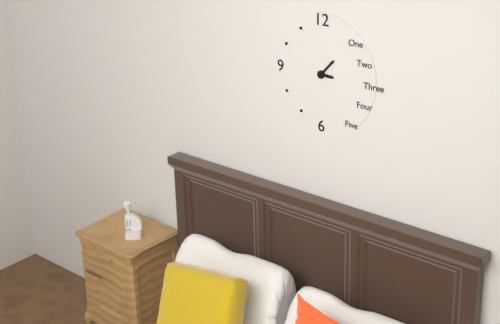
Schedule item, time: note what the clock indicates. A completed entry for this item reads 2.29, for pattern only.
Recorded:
3.07
